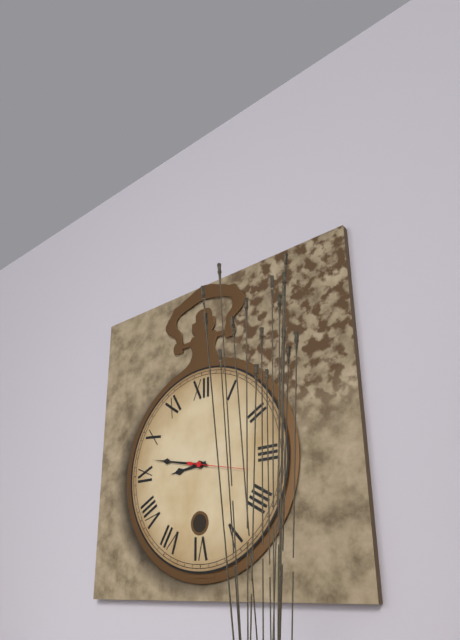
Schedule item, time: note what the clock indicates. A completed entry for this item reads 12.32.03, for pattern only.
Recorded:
8.47.17
